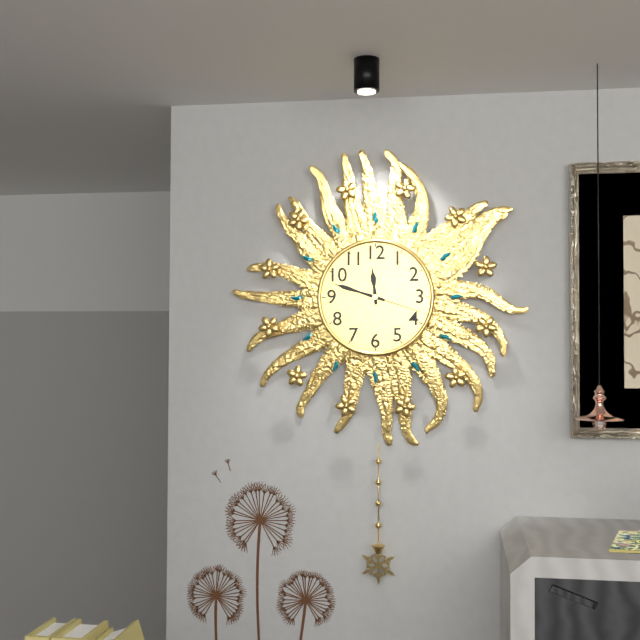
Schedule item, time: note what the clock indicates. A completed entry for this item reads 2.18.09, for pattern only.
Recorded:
11.48.18
